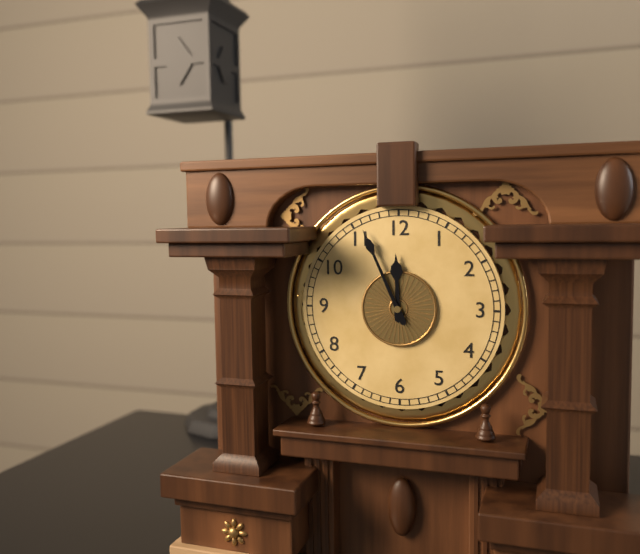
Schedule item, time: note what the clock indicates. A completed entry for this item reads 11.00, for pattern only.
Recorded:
11.56
